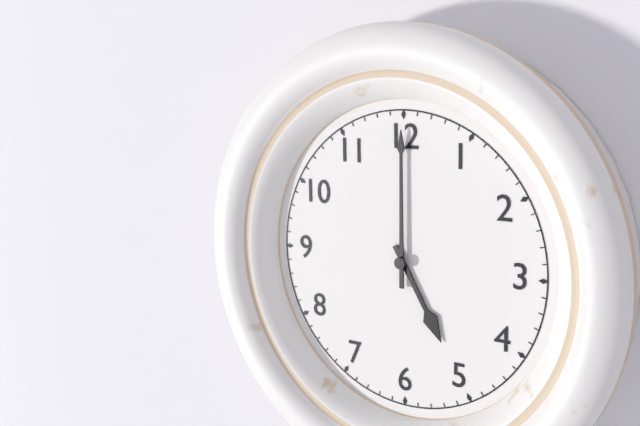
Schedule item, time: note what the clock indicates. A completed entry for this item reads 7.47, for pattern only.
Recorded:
5.00
